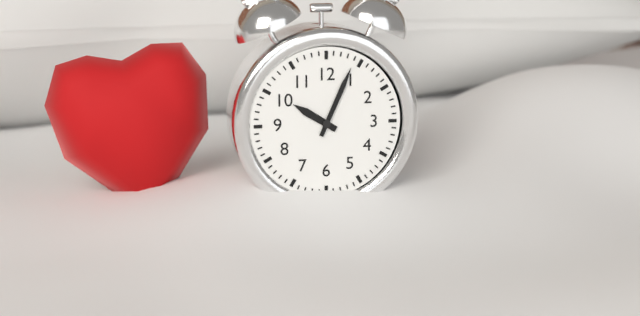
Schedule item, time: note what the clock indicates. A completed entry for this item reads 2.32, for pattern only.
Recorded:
10.04
